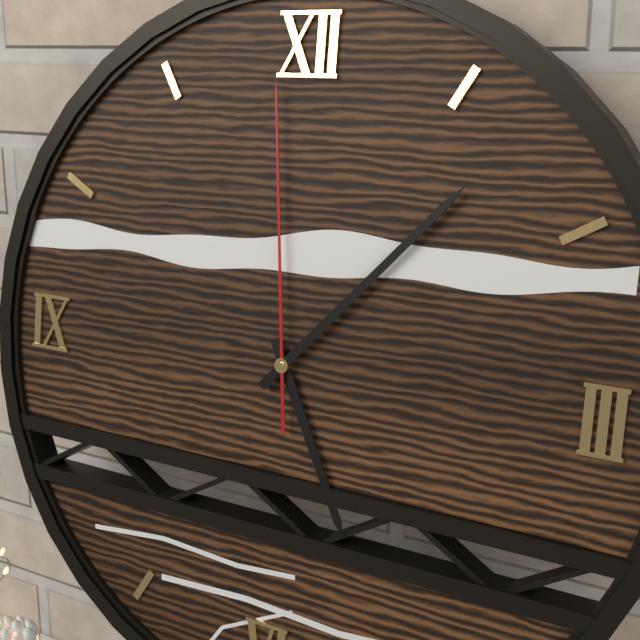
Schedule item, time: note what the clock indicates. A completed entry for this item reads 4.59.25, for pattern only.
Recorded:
5.07.59
